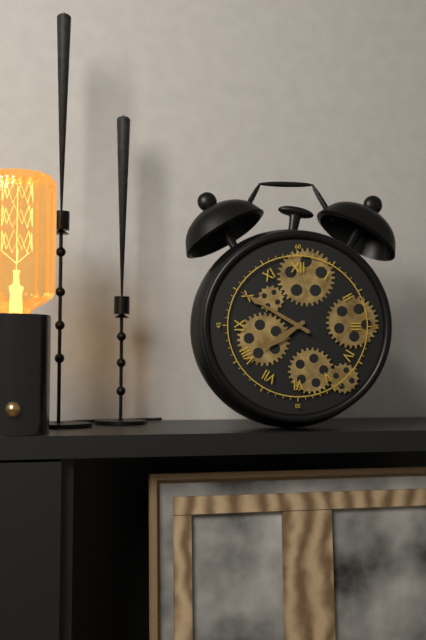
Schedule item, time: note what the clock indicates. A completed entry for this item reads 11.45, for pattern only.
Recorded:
7.50
